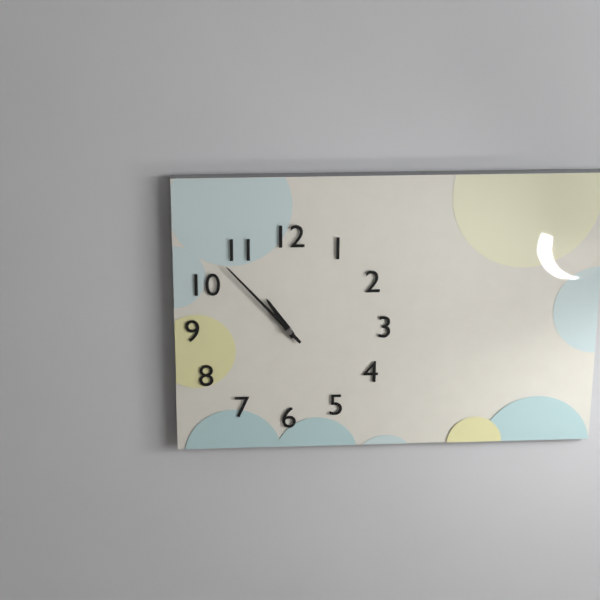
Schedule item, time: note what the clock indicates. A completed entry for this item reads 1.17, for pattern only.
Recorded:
10.53
